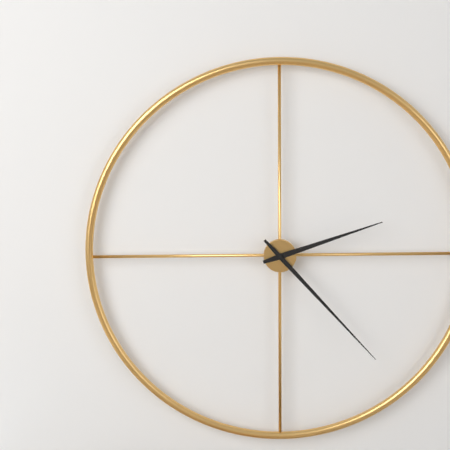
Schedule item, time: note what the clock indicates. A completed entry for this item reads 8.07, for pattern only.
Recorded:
2.23
